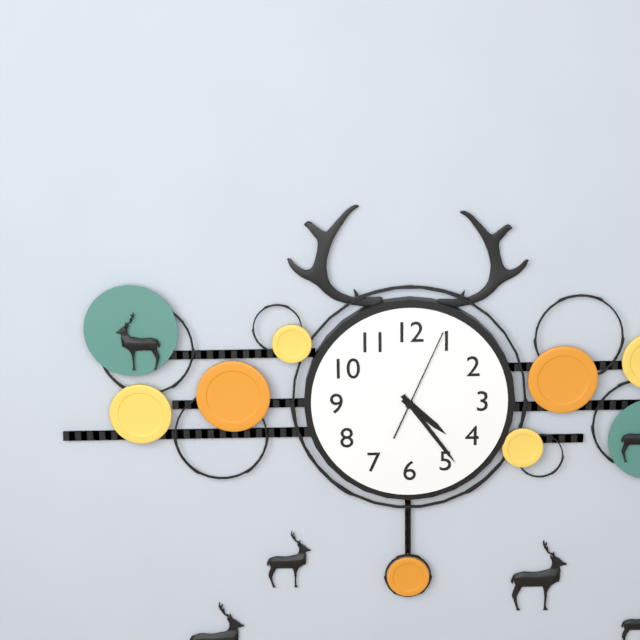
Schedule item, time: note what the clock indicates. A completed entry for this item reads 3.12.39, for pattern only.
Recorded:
4.24.04
